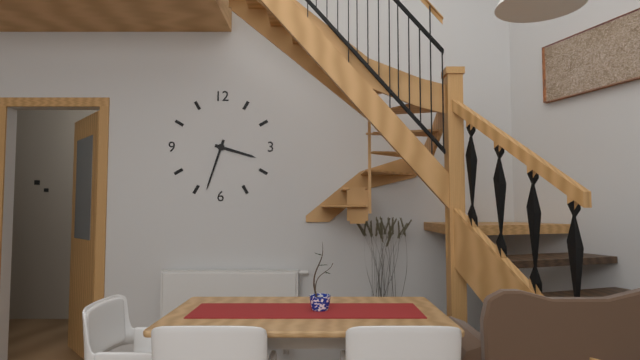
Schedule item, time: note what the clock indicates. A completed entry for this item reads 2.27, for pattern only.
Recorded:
3.33
